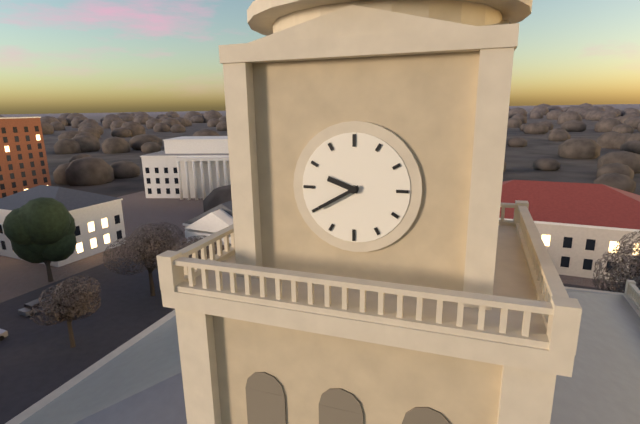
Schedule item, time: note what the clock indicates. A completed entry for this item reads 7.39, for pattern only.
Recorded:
9.40
